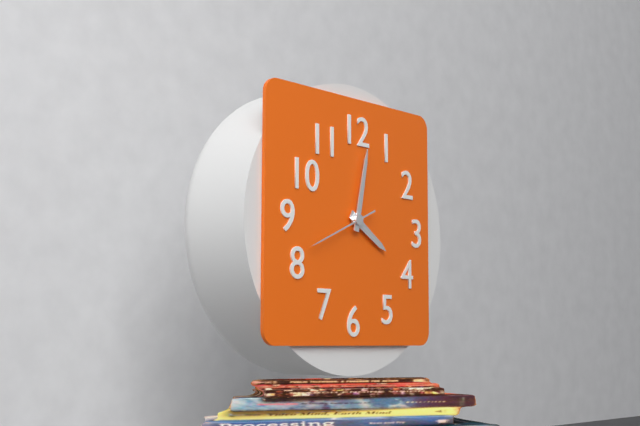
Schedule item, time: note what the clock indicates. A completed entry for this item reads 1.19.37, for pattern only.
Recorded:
4.02.41
